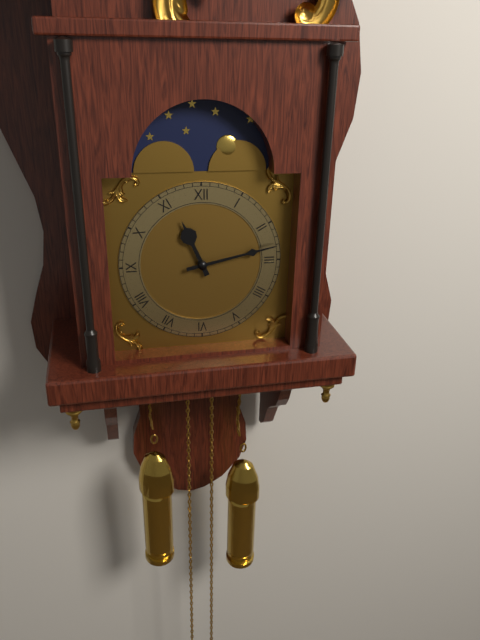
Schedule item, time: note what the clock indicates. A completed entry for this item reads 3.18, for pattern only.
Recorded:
11.13
